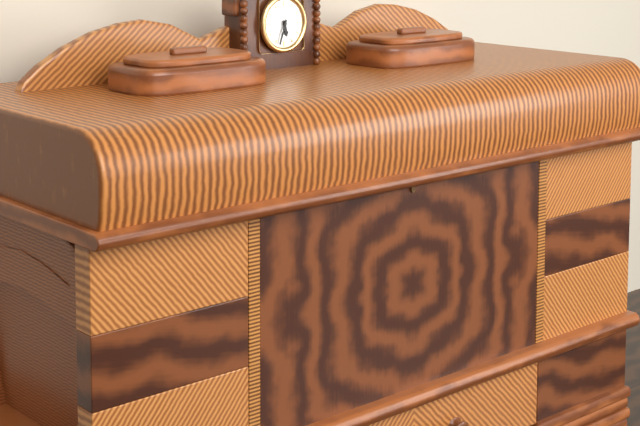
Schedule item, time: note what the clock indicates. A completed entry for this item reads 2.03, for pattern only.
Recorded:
5.33
